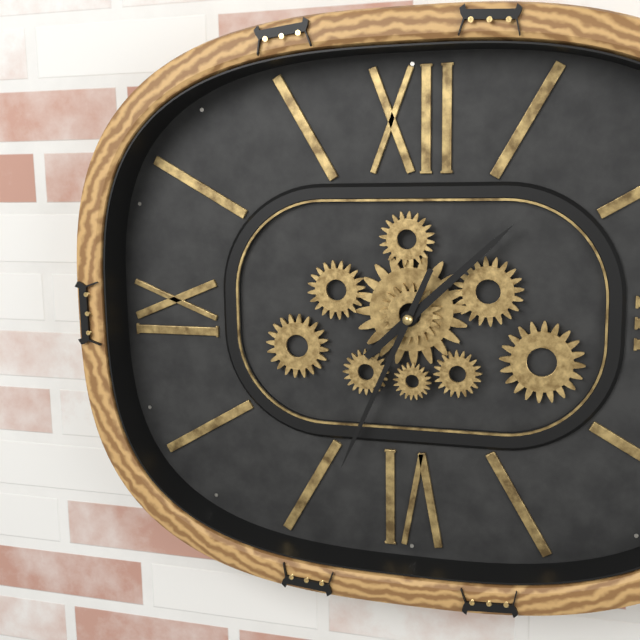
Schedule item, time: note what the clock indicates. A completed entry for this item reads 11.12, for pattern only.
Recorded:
1.34
